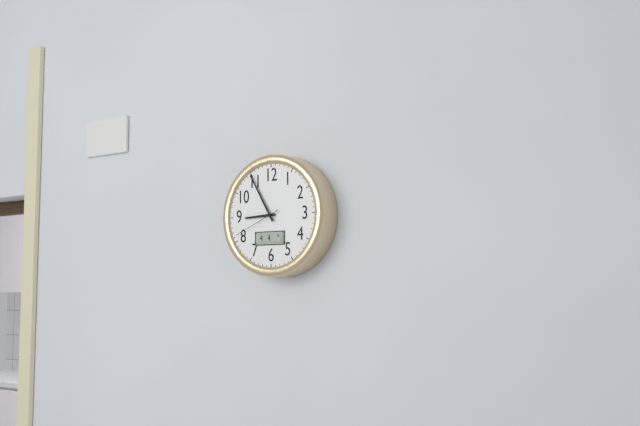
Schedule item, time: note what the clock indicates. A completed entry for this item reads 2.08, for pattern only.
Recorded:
8.55
